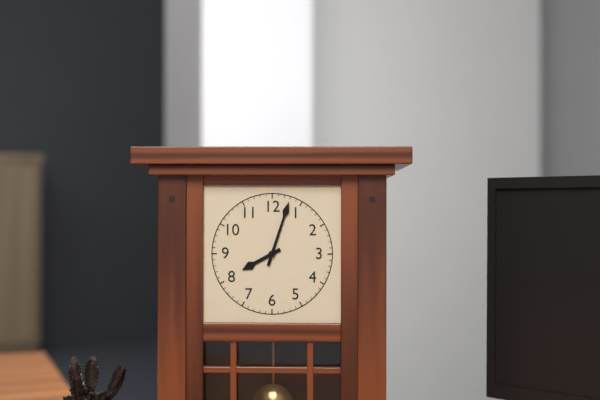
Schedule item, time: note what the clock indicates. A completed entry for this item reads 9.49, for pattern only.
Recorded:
8.03
